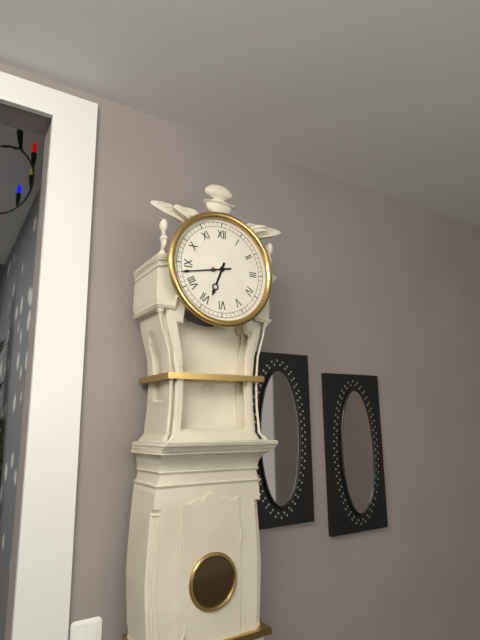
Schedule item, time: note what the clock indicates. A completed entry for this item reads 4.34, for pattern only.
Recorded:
6.43
